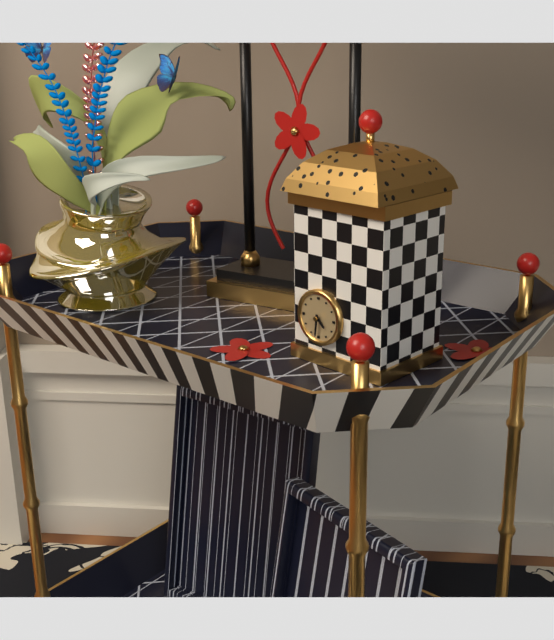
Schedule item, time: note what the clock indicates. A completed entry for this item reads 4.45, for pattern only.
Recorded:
4.31
